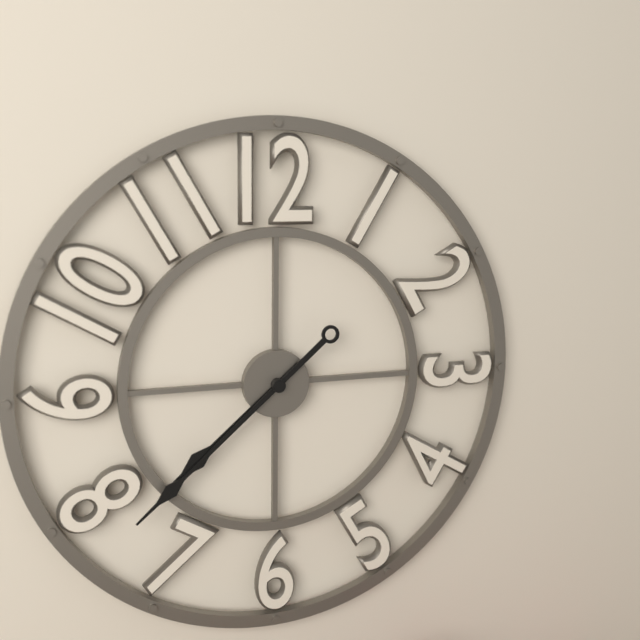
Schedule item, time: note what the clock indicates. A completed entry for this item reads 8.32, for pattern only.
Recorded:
7.38
